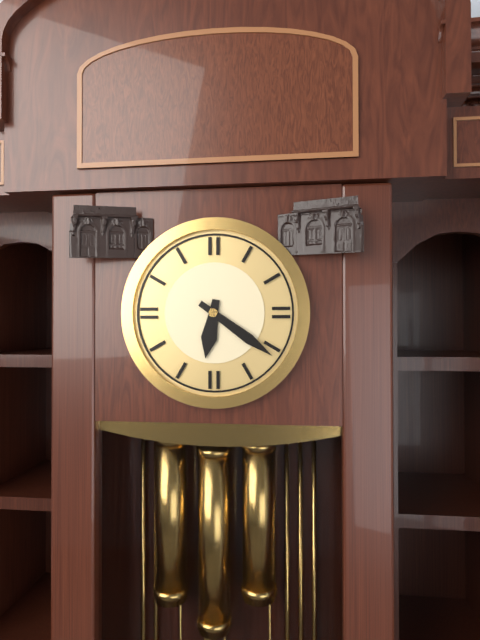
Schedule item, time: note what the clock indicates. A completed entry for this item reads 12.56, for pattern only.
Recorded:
6.21
